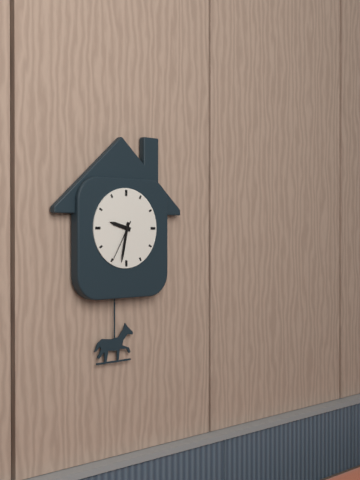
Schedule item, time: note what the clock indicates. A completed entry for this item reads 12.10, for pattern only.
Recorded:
9.32
